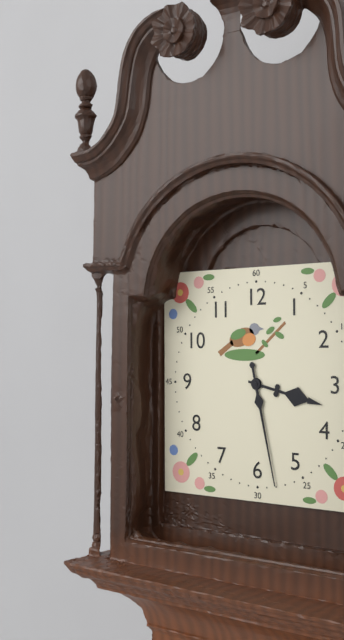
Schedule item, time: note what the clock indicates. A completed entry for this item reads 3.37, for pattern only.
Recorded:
3.28
